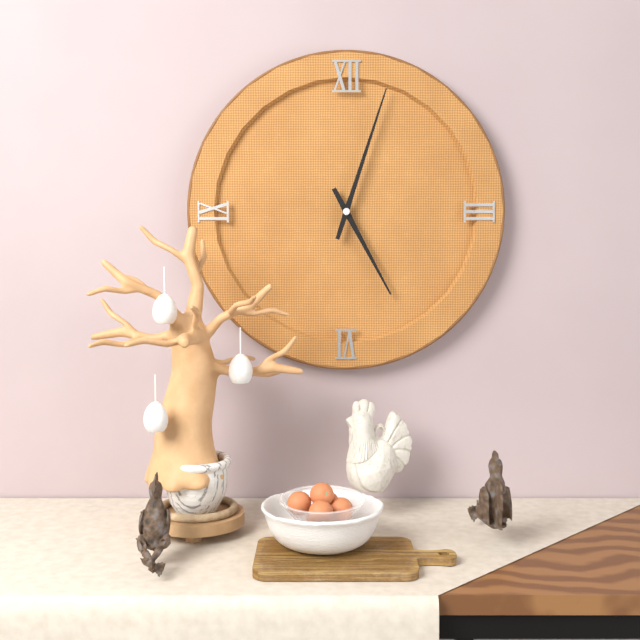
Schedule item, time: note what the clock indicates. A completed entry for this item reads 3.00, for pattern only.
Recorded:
5.03
